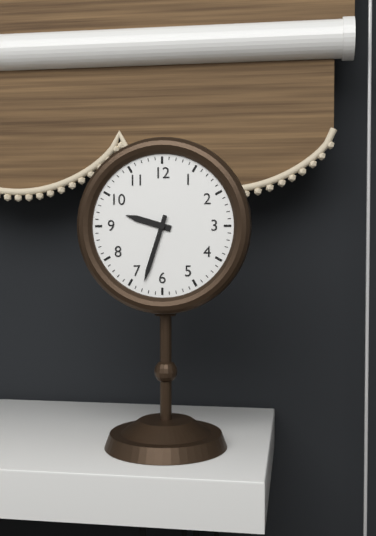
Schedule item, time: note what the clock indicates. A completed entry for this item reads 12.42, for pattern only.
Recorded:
9.33
